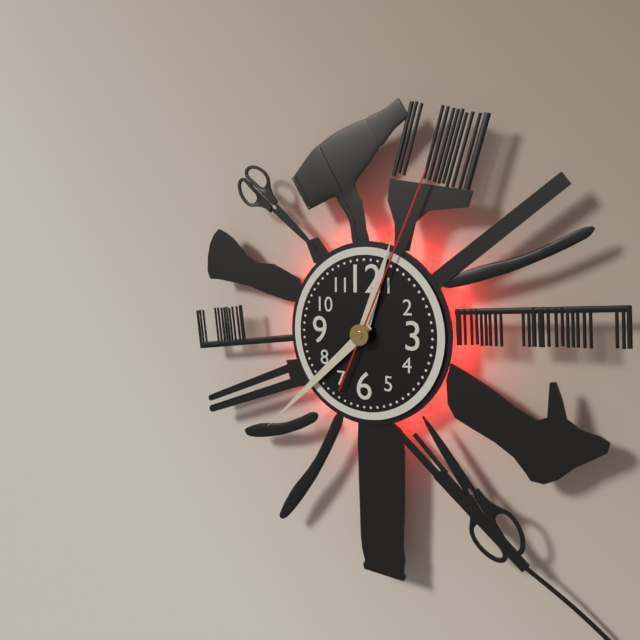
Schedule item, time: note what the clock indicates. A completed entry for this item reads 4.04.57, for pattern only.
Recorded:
12.38.04
